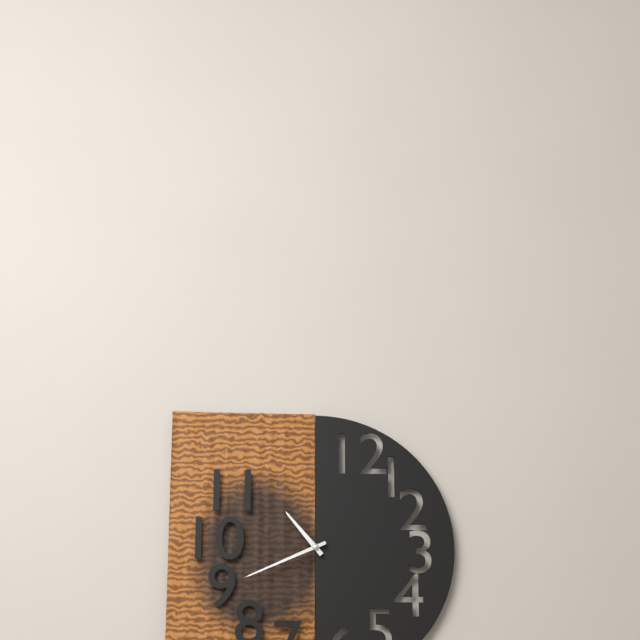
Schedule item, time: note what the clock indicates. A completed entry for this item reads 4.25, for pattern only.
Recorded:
10.41
